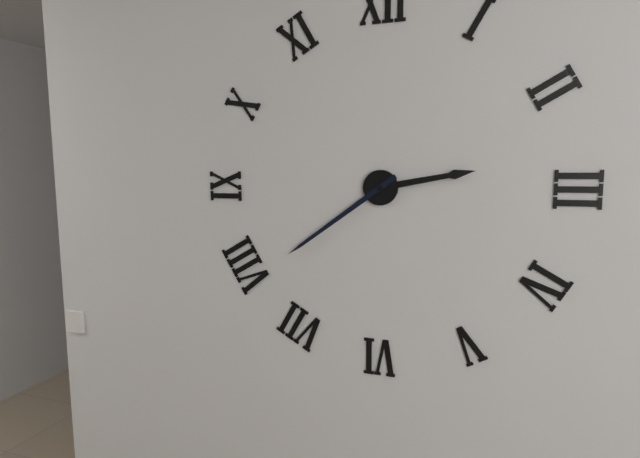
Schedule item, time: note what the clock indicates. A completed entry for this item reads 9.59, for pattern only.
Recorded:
2.39
